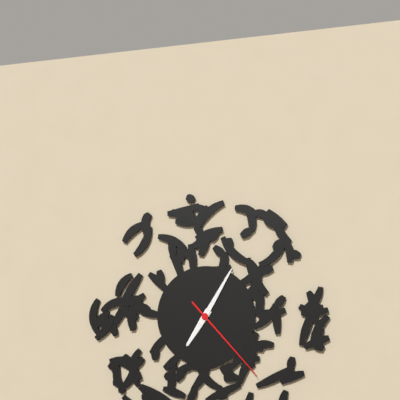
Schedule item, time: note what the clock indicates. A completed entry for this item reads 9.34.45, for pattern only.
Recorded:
7.05.23
